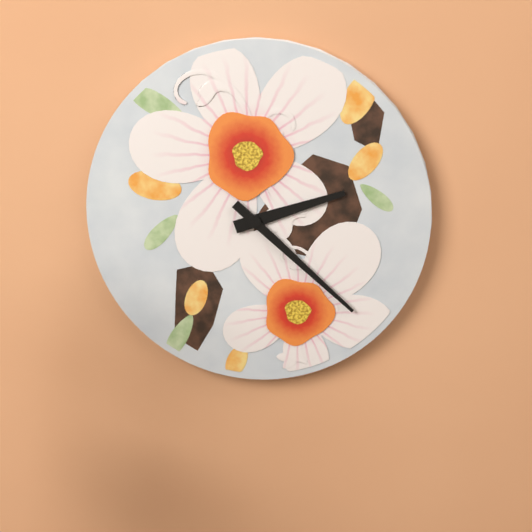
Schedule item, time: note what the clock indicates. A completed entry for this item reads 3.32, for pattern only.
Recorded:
2.22
